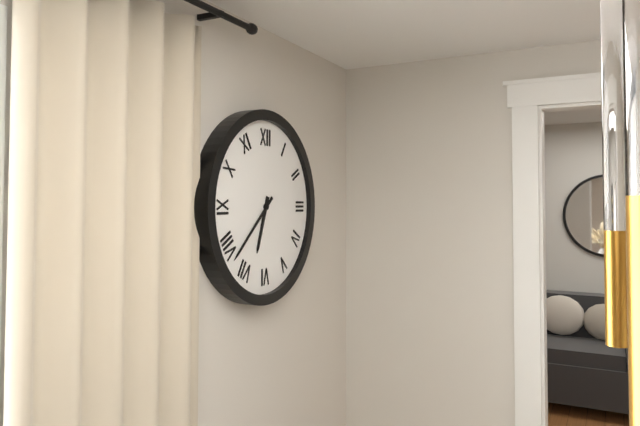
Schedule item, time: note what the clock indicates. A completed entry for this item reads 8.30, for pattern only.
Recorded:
6.38
